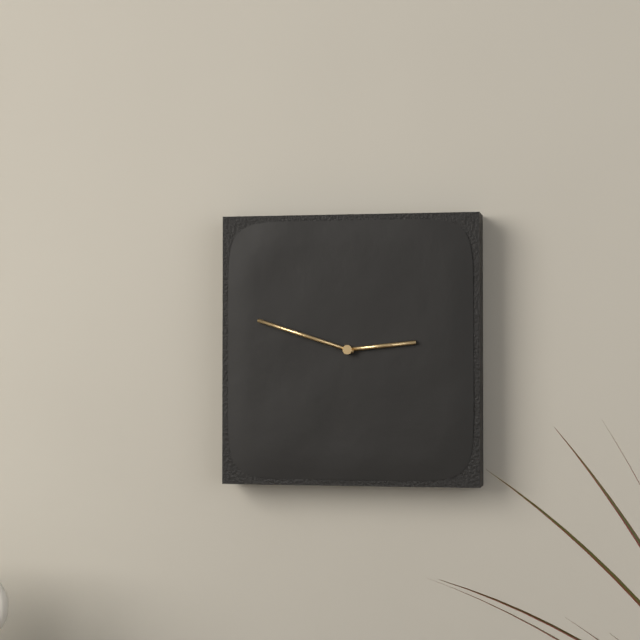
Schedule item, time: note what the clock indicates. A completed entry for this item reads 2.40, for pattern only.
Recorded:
2.48
